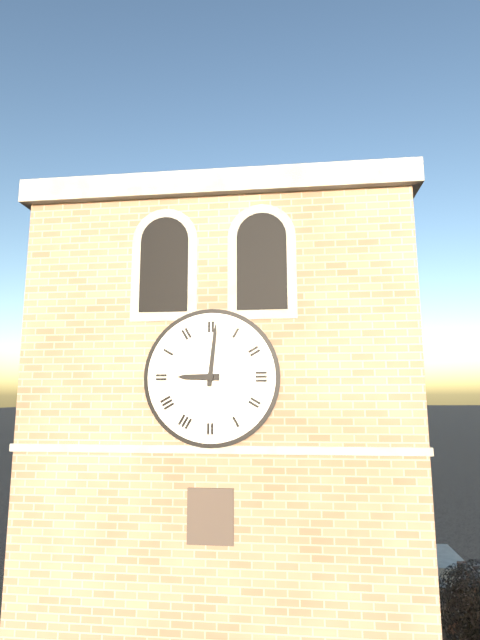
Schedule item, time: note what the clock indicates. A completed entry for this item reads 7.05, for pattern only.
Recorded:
9.01
